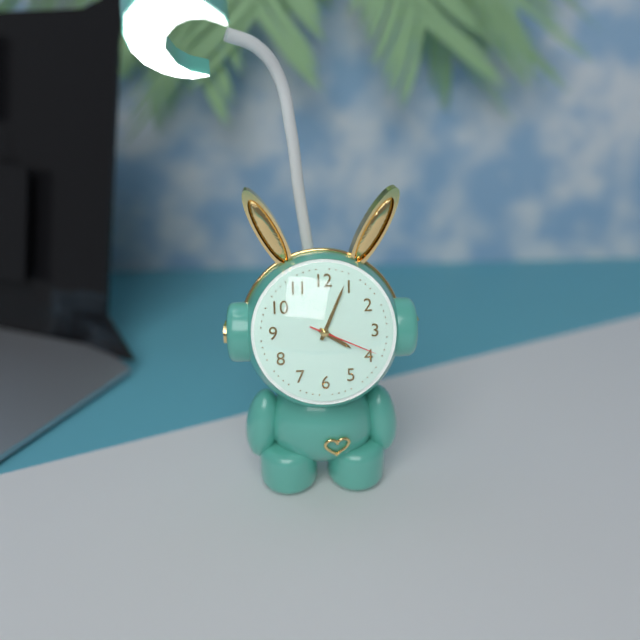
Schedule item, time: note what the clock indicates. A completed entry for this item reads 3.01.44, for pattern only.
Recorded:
4.04.19
